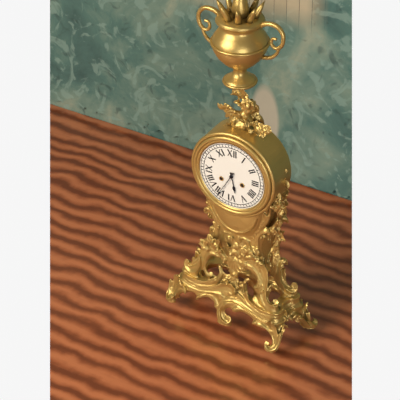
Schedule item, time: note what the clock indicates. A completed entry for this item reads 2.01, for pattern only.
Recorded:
5.35
